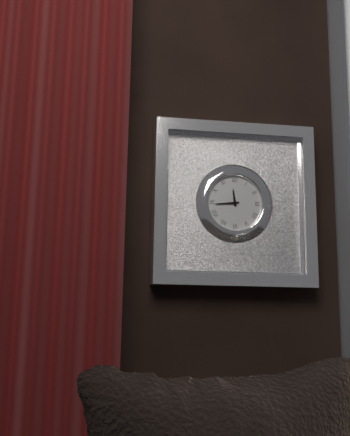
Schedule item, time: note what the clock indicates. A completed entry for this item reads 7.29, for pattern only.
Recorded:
11.44
